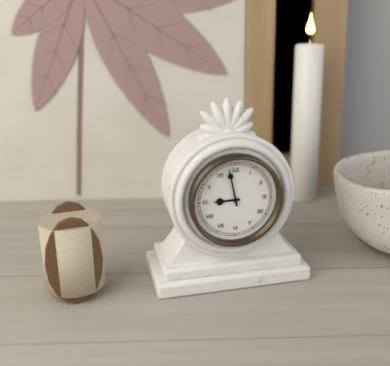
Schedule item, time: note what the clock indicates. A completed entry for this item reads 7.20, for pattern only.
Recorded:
8.58
